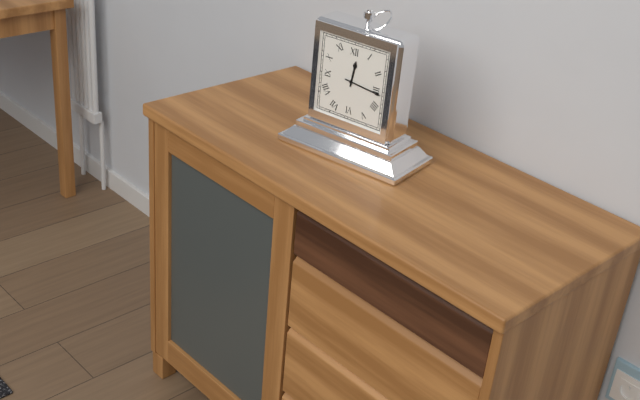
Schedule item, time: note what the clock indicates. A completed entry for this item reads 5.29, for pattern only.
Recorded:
12.16
